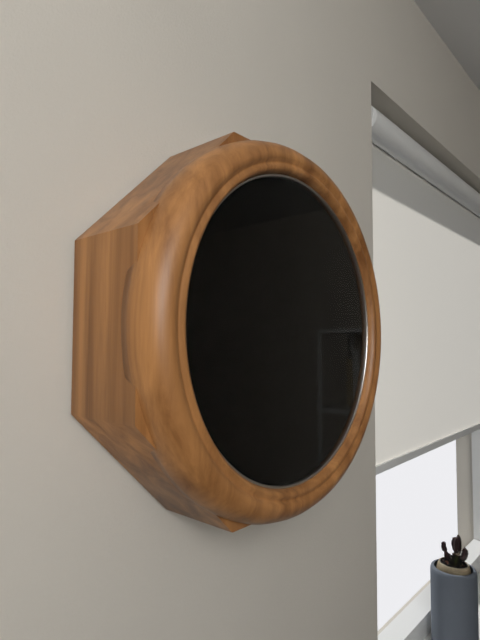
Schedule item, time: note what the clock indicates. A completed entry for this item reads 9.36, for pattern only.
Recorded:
3.47
